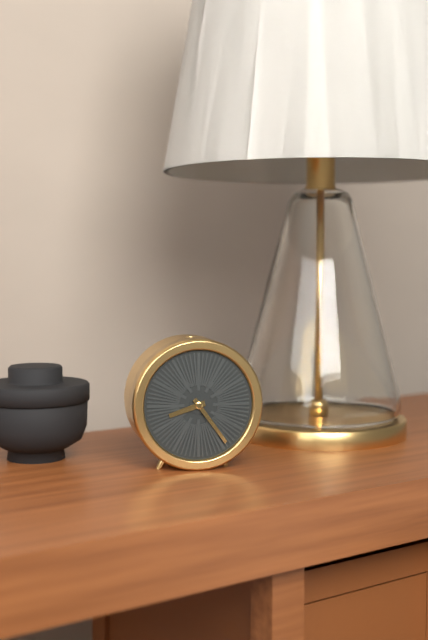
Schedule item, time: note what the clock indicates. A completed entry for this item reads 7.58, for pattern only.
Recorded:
8.24
